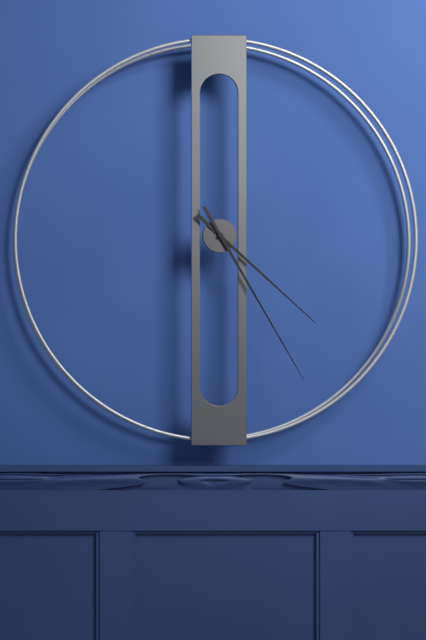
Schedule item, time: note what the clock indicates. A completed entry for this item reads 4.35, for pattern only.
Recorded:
4.25
